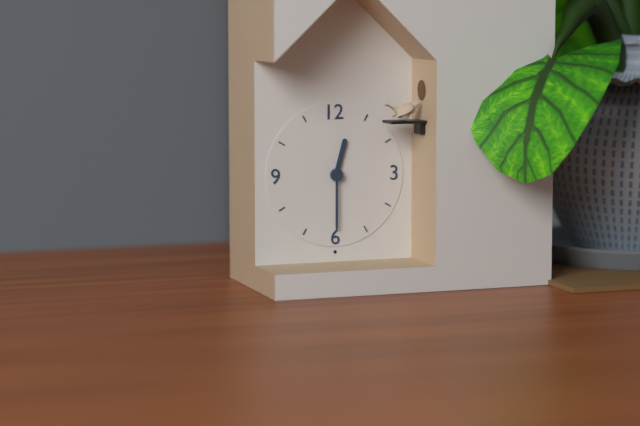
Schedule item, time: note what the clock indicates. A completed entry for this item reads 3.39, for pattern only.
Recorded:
12.30
